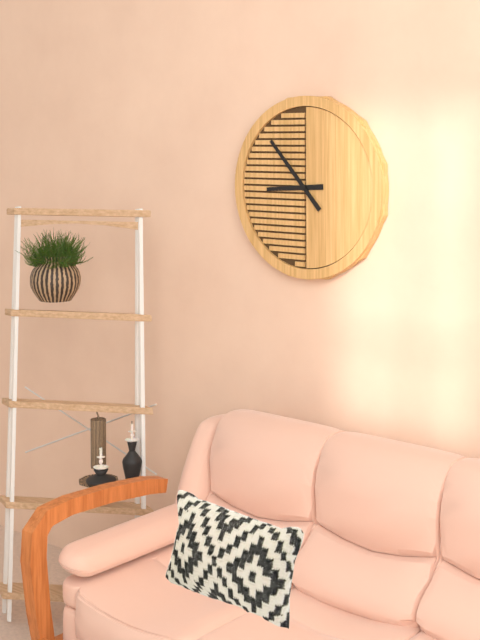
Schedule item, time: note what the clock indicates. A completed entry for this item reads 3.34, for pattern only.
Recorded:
8.53
